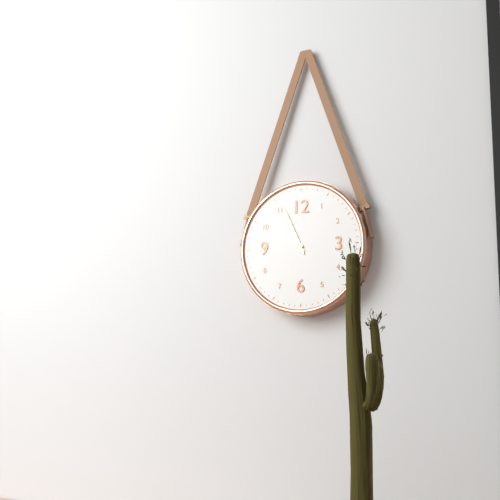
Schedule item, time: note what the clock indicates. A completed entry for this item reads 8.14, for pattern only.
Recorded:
10.56
